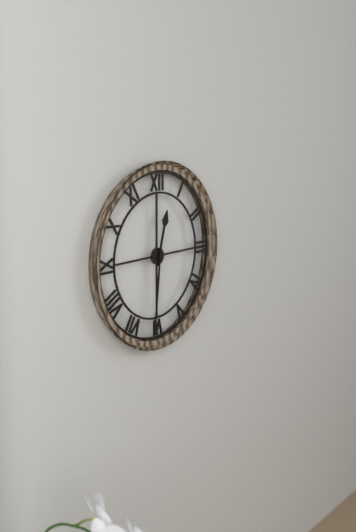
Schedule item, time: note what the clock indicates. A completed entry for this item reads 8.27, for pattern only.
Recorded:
12.31
